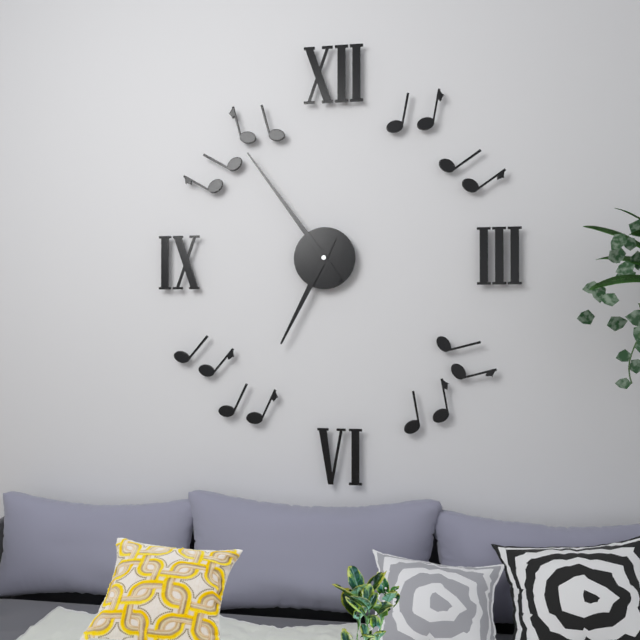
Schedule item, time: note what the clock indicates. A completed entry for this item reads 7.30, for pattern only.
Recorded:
6.54
